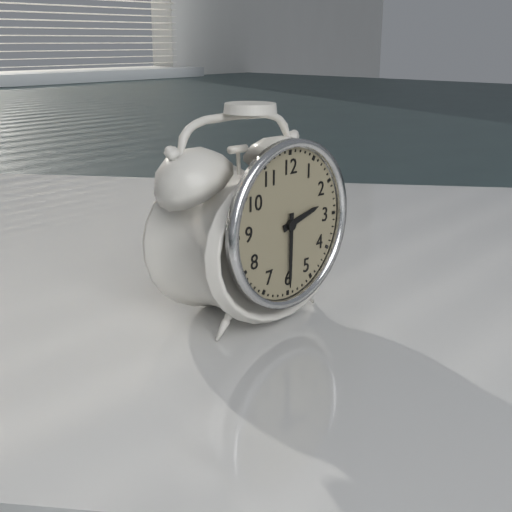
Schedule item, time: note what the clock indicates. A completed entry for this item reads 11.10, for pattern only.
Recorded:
2.30
